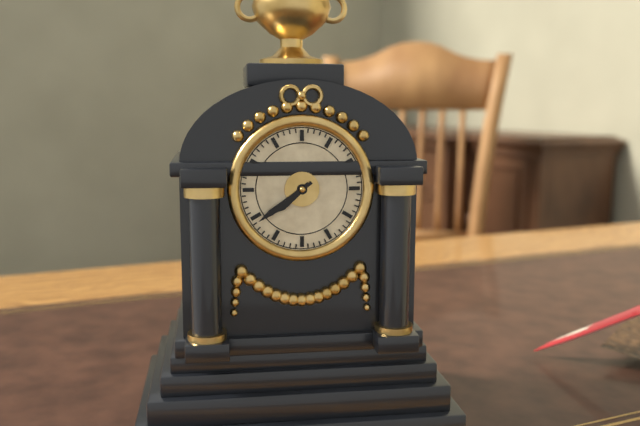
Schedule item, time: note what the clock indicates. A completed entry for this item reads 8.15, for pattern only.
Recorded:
7.39
